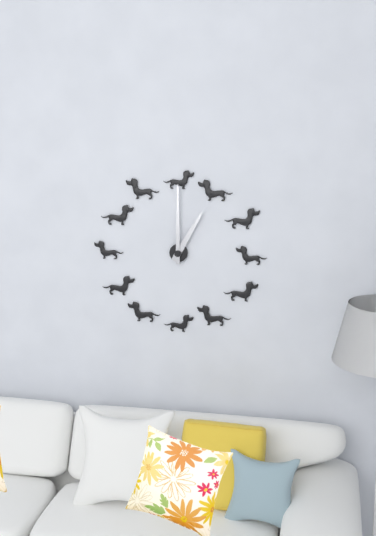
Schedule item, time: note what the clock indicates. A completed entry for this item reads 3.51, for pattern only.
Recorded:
1.00
